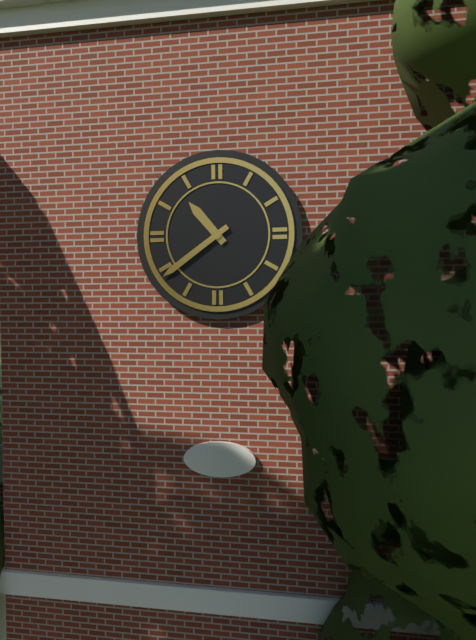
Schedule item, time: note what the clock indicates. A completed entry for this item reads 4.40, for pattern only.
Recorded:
10.39
